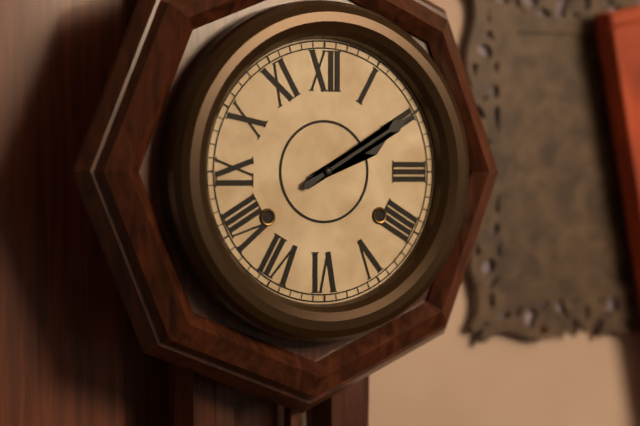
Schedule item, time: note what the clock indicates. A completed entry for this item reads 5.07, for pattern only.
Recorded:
2.10
